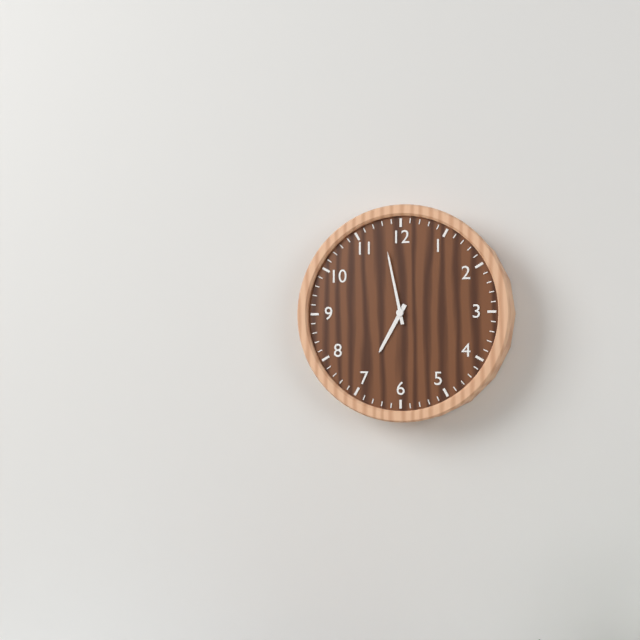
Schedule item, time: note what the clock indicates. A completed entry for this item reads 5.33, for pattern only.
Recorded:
6.58
